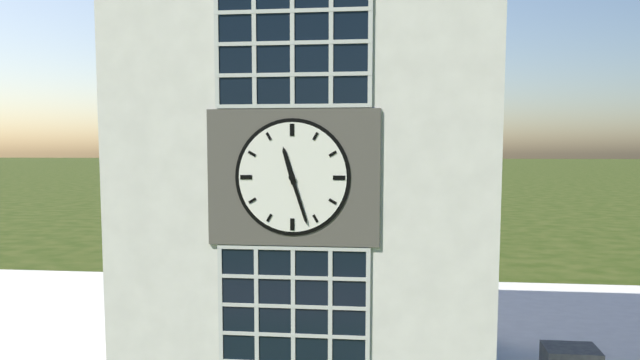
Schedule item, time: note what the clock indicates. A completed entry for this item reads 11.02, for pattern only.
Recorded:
11.27
